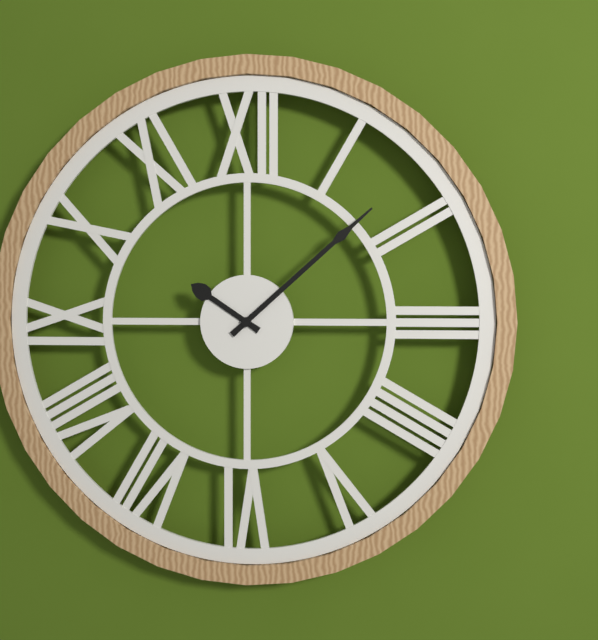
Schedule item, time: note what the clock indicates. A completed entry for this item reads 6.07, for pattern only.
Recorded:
10.08
